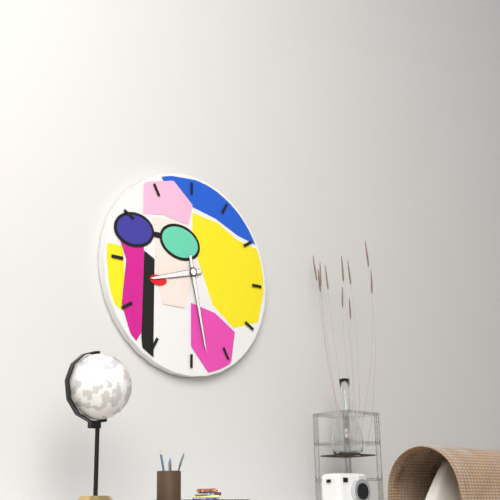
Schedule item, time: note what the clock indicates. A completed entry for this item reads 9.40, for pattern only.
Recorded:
8.28
